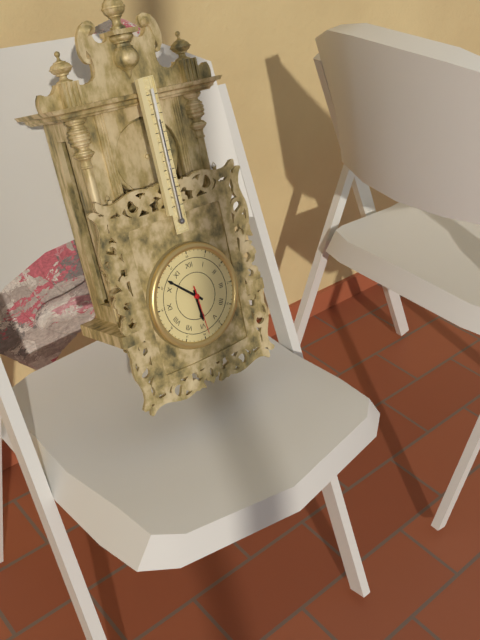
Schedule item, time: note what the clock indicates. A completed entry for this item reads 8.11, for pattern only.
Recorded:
5.52
